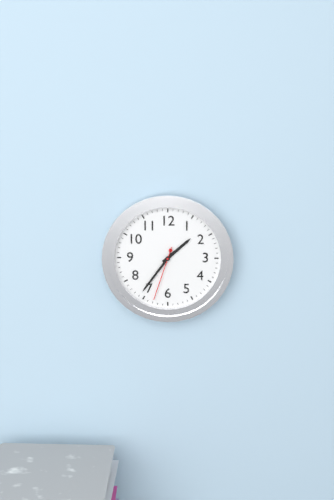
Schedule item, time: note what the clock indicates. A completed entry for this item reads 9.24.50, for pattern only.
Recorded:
1.36.33
